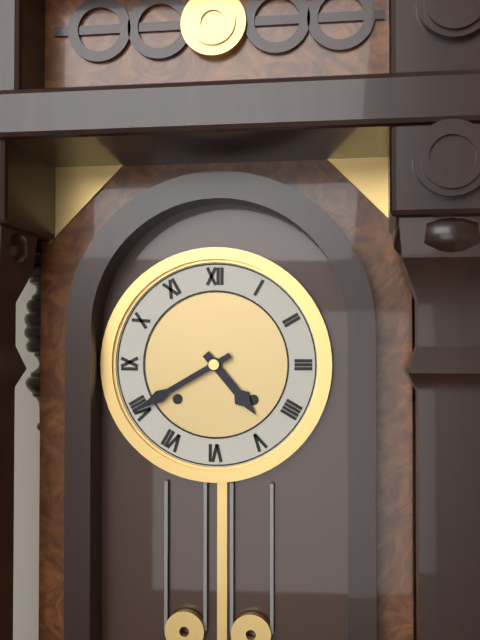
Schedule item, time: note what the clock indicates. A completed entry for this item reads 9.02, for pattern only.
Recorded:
4.40
